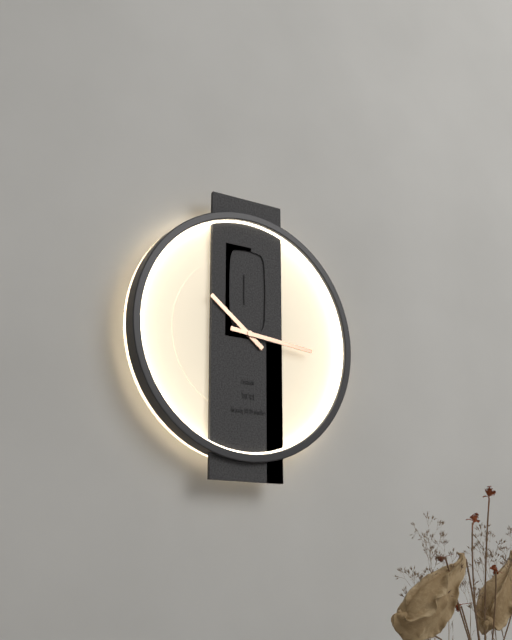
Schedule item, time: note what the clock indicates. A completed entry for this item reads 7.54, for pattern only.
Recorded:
10.16
